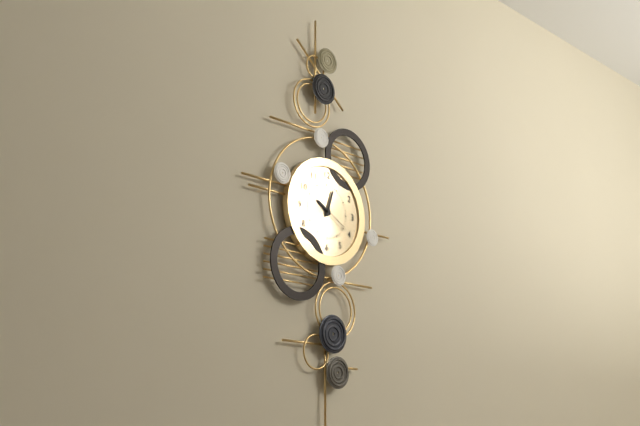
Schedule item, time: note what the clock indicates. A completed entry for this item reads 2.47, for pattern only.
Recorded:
10.03
